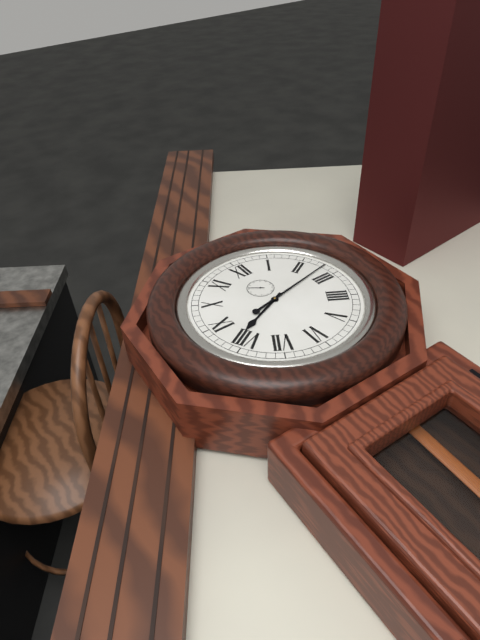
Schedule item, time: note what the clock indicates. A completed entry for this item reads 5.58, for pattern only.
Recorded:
8.13
